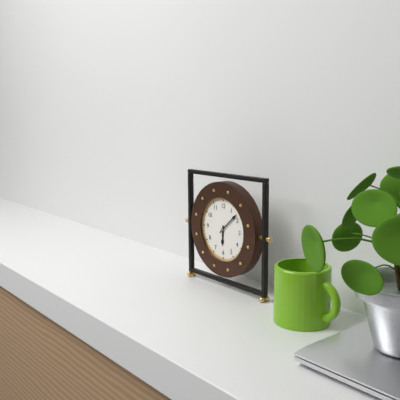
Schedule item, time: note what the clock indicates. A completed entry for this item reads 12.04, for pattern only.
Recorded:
6.08
